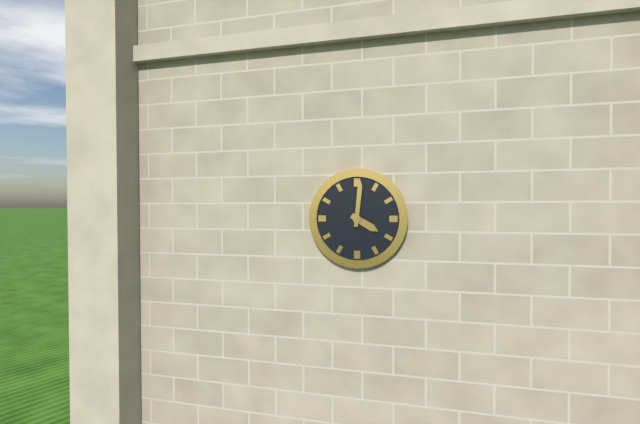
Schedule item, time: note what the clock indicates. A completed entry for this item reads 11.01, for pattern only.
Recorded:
4.01
